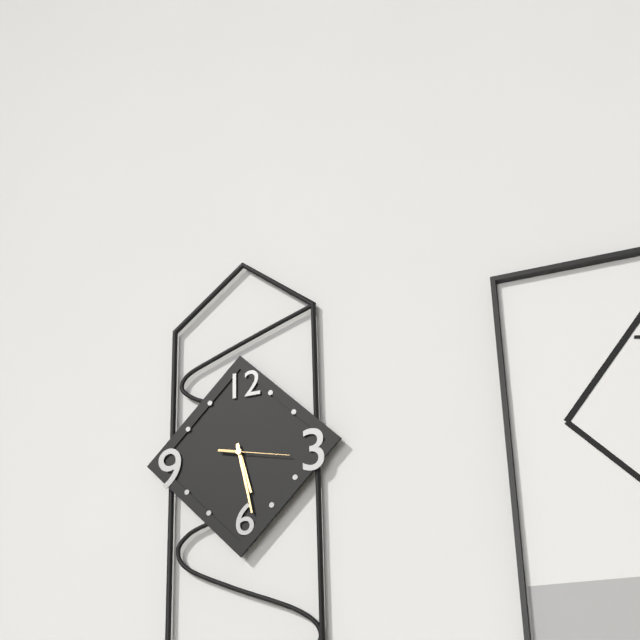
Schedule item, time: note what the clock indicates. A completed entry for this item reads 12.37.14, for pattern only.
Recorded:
5.28.17
